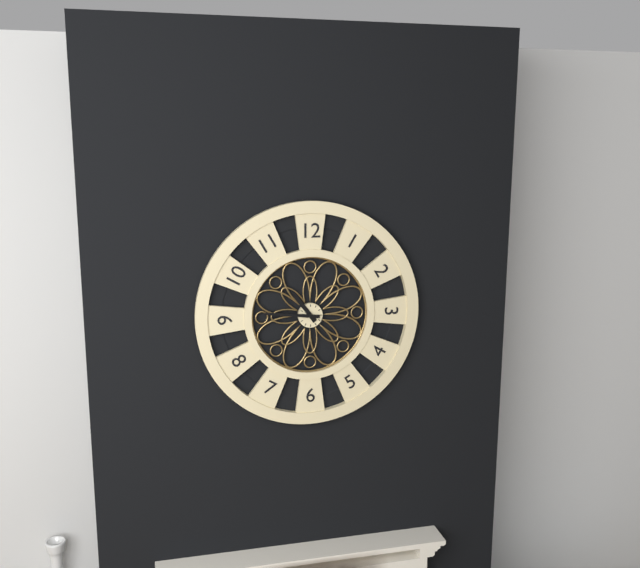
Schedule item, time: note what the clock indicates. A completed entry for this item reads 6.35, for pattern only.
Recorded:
10.46
